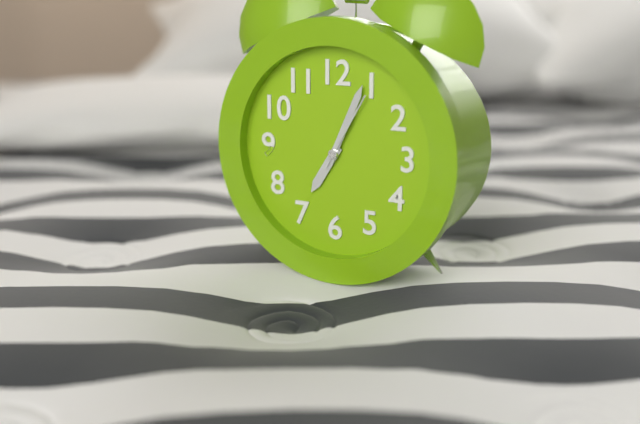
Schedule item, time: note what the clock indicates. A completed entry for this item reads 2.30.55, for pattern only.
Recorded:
7.04.05
